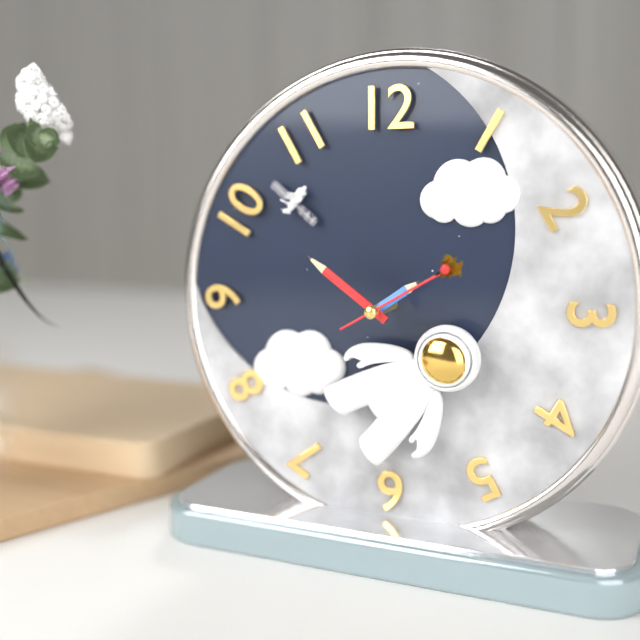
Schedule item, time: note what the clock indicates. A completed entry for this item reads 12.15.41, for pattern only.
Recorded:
1.51.10
